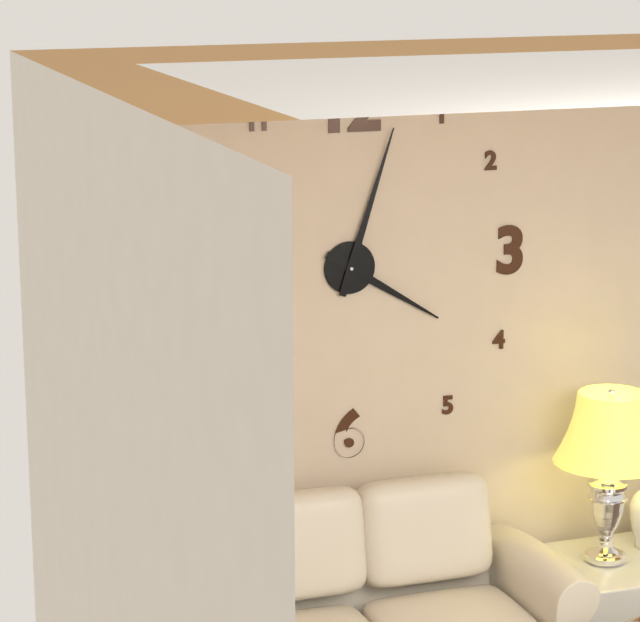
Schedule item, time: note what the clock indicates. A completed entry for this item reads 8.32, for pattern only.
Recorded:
4.03
